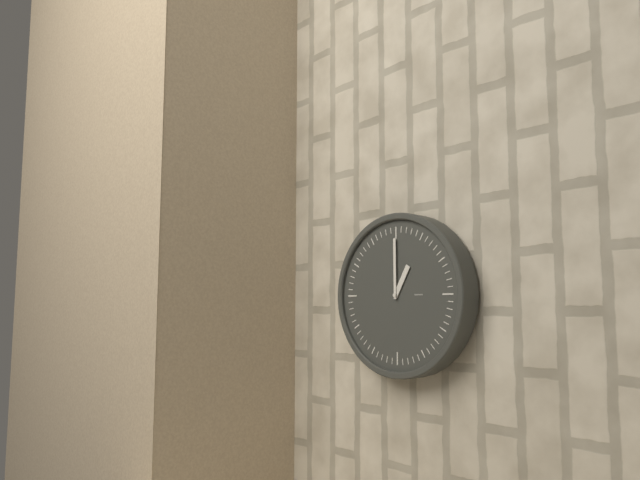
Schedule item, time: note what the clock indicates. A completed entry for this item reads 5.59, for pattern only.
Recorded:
1.00
